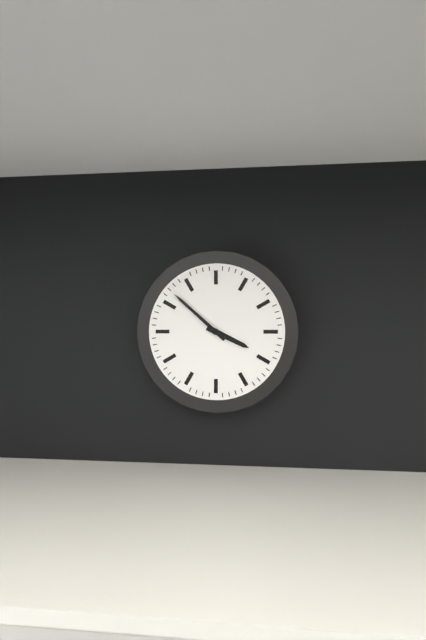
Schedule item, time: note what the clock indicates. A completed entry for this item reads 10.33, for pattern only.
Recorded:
3.52
